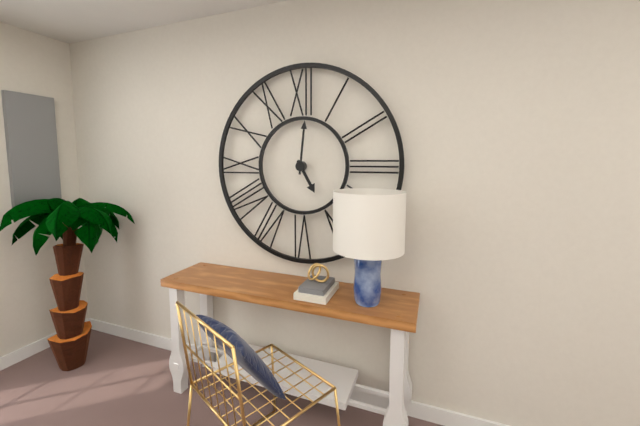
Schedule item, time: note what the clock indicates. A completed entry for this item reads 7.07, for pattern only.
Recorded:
5.01
